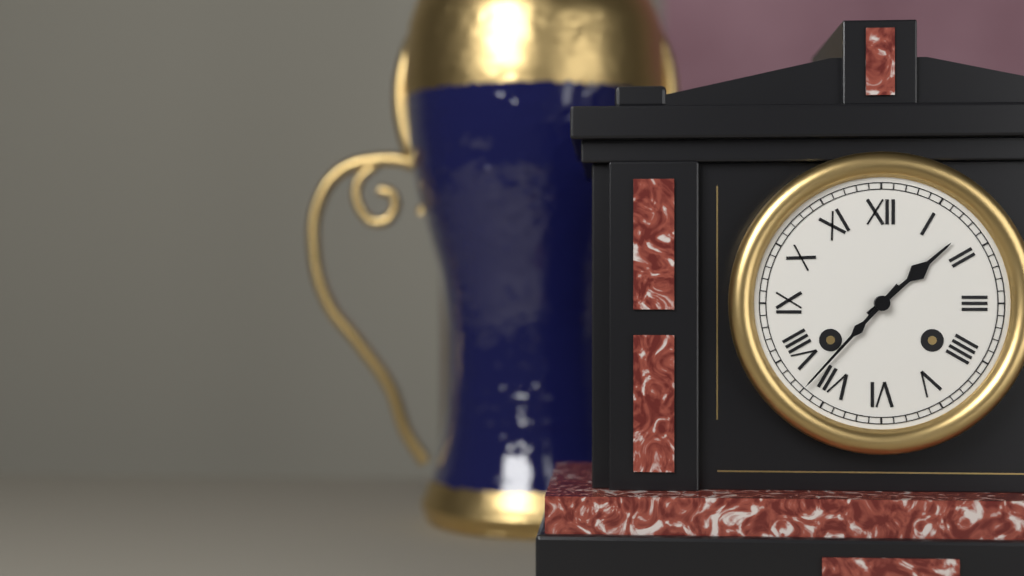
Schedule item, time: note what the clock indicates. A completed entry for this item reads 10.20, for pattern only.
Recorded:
1.37
